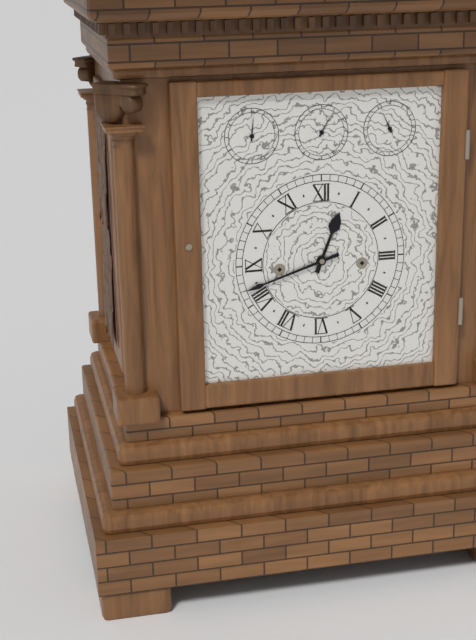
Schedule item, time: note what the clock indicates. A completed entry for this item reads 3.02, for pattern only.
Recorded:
12.42
